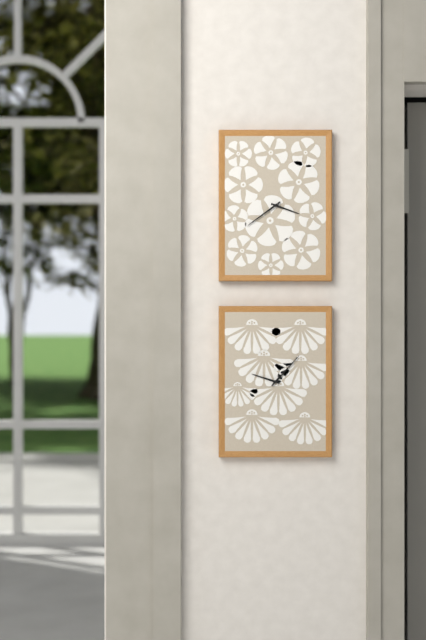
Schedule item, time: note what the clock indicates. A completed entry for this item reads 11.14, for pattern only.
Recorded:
3.39
